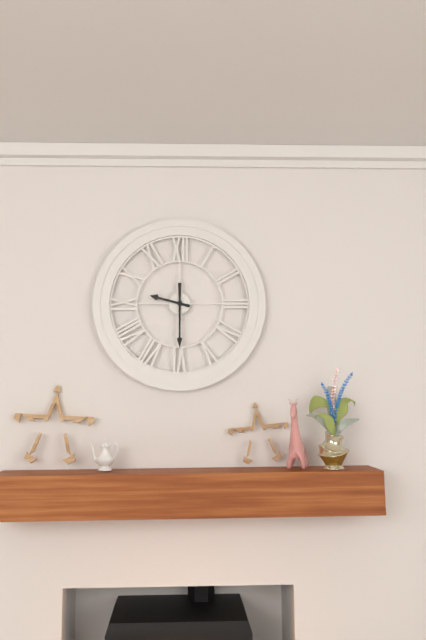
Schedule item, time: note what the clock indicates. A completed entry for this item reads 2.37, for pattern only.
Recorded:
9.30
